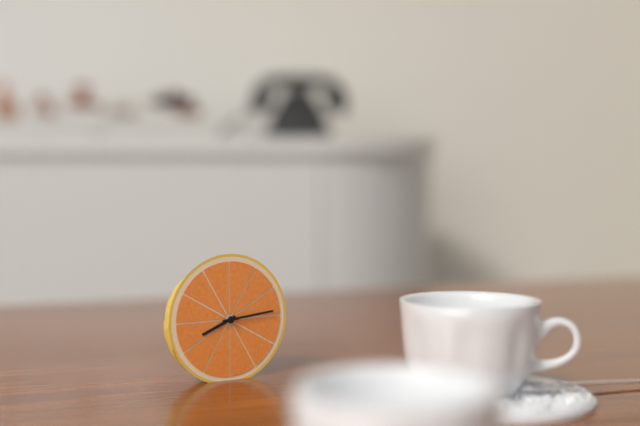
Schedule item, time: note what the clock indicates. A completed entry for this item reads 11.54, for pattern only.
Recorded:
8.14
